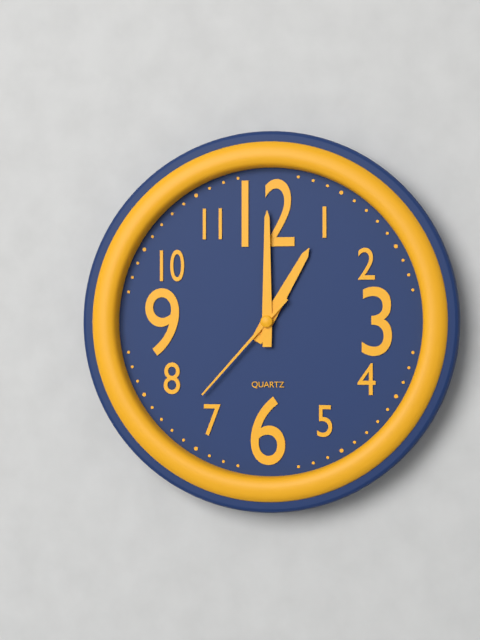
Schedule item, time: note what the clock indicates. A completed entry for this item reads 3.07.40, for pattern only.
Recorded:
1.00.37
